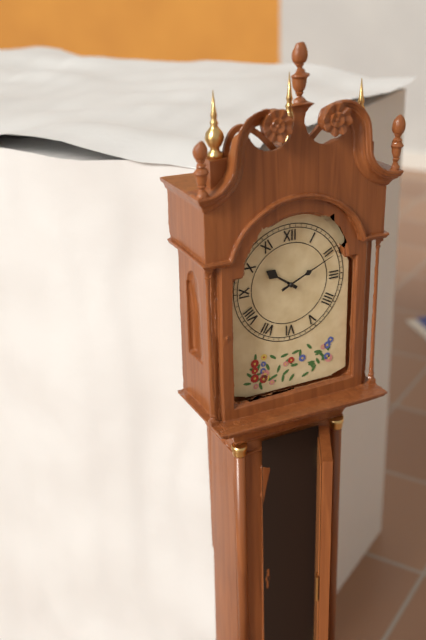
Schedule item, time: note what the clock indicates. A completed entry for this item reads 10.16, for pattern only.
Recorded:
10.11
